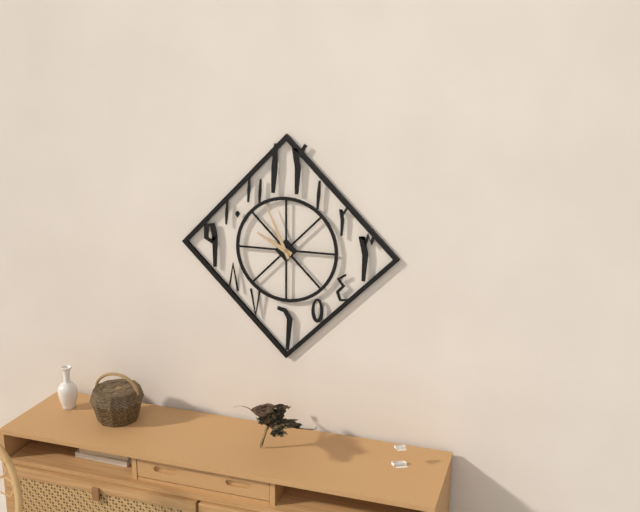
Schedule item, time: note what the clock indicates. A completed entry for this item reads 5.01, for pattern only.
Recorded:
9.56
